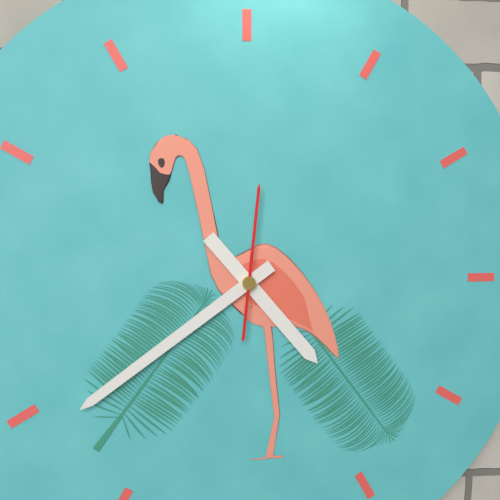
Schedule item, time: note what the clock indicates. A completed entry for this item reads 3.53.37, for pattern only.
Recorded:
4.39.01
